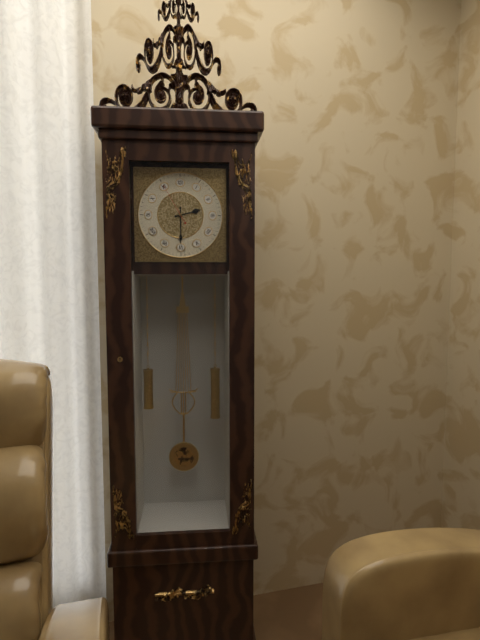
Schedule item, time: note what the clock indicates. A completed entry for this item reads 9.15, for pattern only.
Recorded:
2.30
